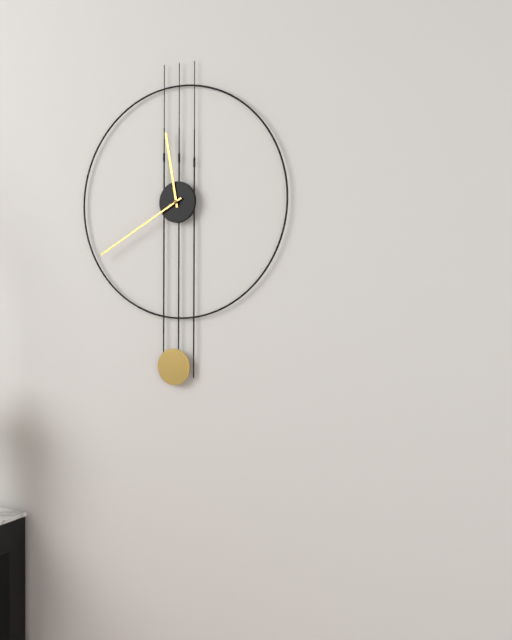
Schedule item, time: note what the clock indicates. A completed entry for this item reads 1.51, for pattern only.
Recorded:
11.40
